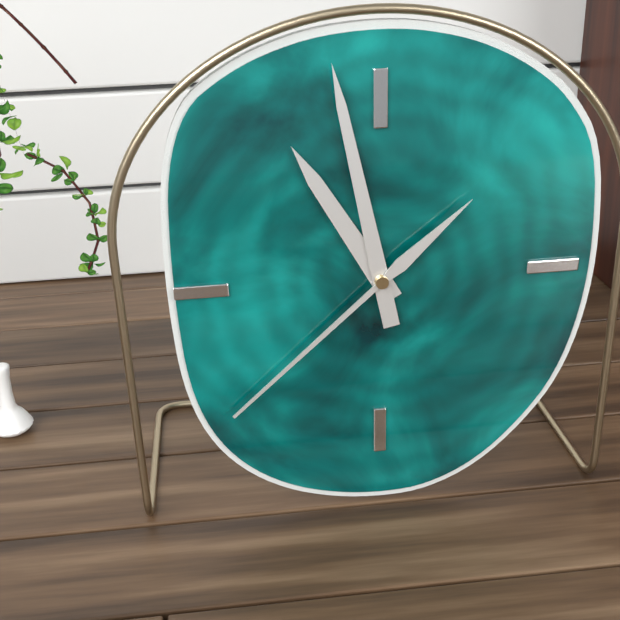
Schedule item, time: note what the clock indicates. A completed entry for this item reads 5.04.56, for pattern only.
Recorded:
10.58.38
